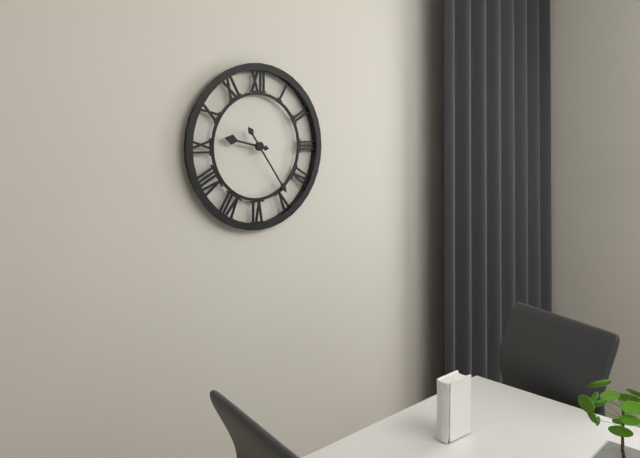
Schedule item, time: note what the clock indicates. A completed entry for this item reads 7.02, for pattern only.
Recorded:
9.24
